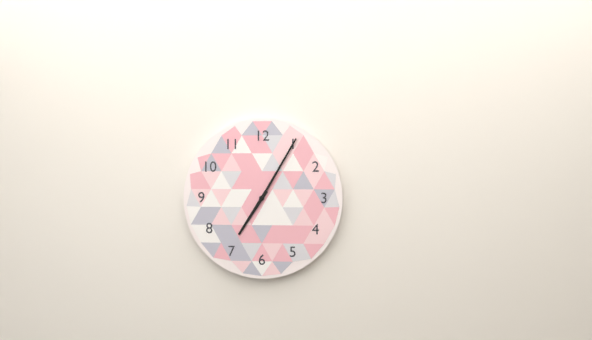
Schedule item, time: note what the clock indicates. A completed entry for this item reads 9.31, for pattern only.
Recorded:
7.05
